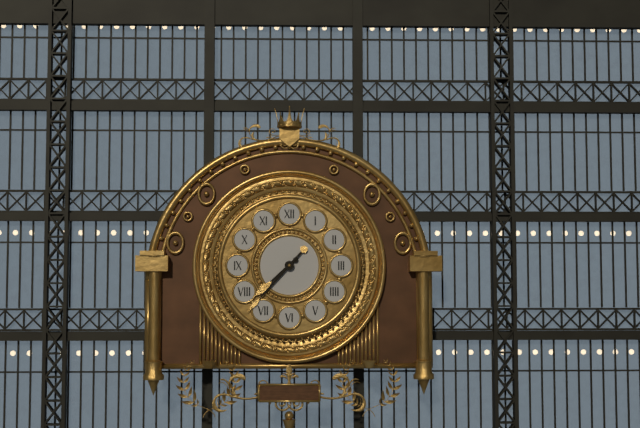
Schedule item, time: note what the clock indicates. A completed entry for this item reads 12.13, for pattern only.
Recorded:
7.37
